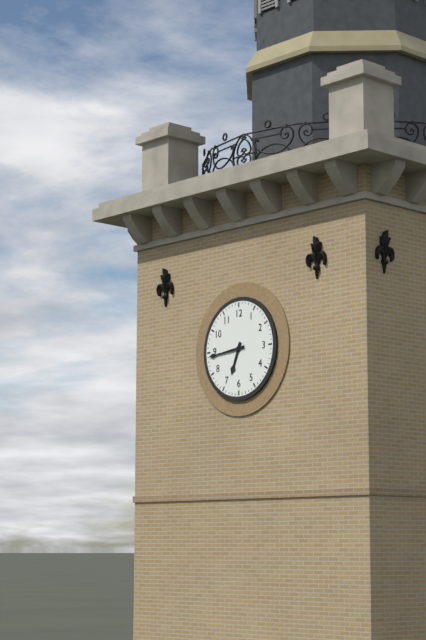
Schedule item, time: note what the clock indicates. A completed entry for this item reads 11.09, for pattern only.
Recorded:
6.44
